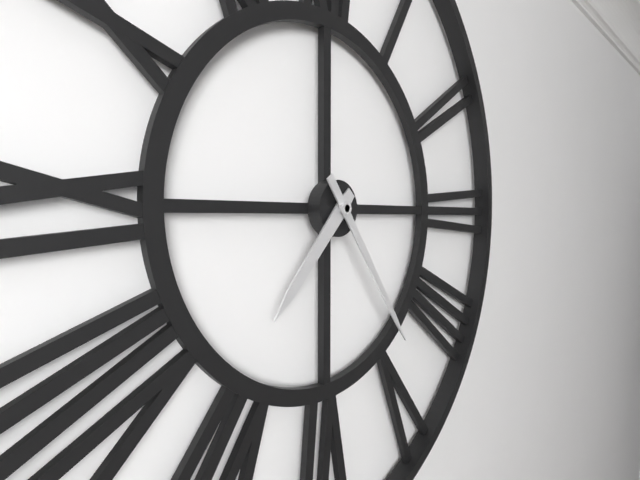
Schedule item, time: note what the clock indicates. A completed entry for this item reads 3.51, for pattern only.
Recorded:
7.24
